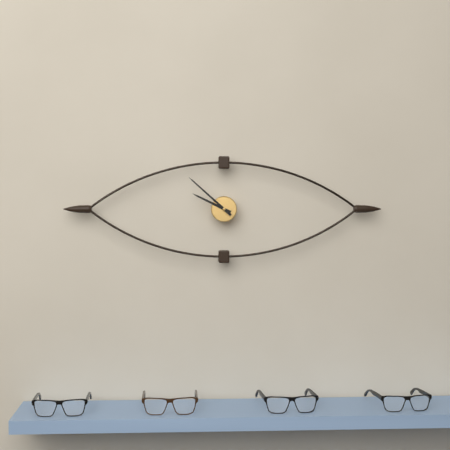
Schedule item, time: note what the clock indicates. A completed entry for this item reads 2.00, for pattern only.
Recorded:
9.52
